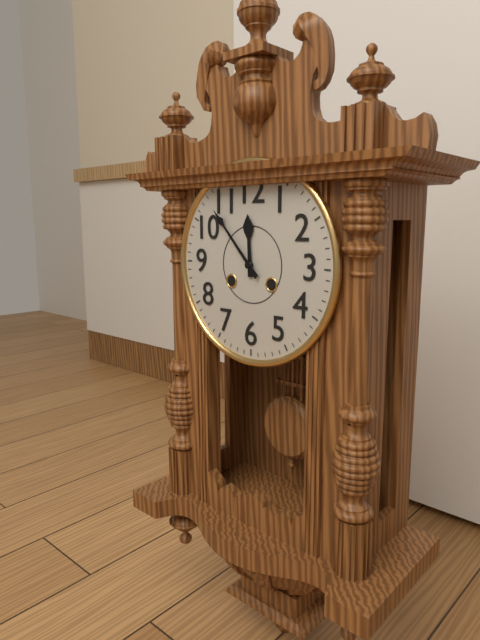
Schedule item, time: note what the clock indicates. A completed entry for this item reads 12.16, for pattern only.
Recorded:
11.53
